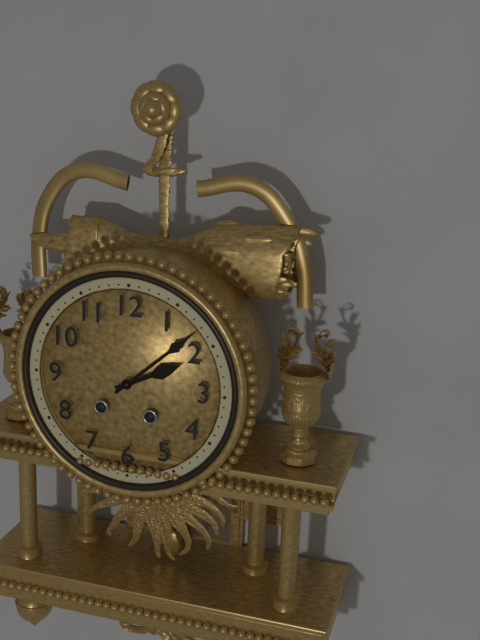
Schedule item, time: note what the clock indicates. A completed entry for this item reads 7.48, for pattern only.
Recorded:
2.08
